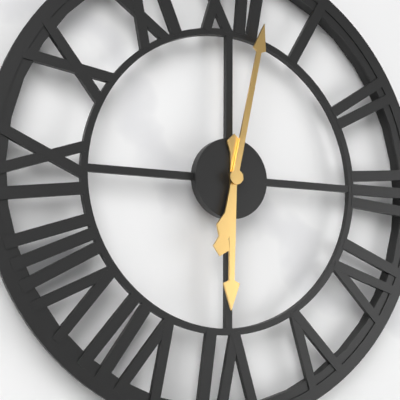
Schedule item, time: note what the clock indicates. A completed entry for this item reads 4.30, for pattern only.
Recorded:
6.02
